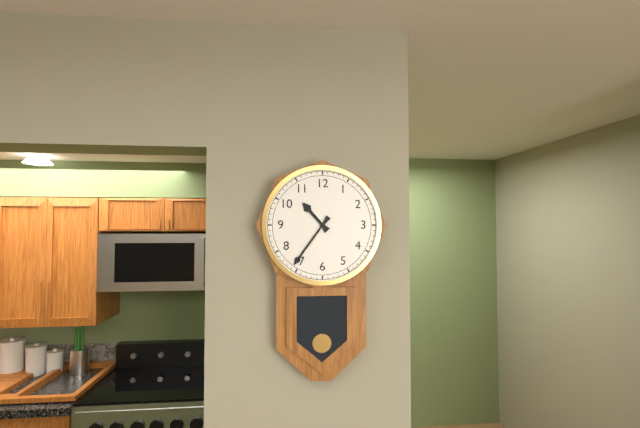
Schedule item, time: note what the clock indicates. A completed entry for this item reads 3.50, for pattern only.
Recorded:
10.36
